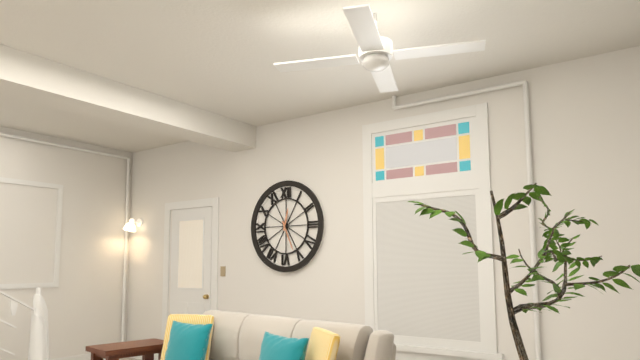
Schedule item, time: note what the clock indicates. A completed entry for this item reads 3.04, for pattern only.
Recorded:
12.26
